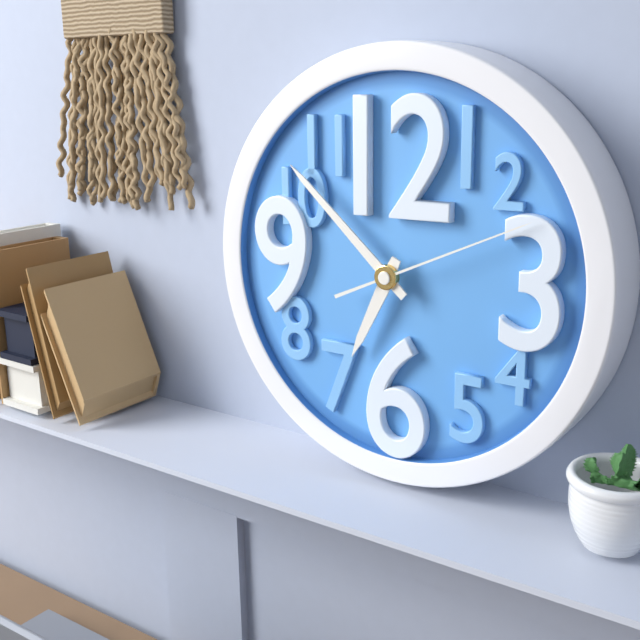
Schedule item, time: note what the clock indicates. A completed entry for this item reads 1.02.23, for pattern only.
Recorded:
6.52.11
